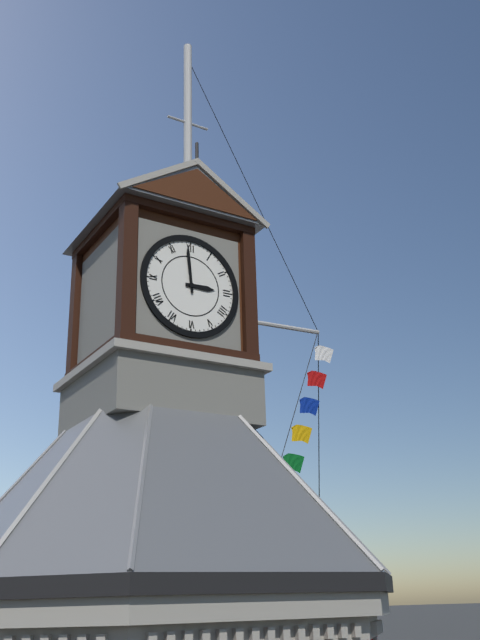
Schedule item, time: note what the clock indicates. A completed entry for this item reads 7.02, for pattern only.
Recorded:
2.59
